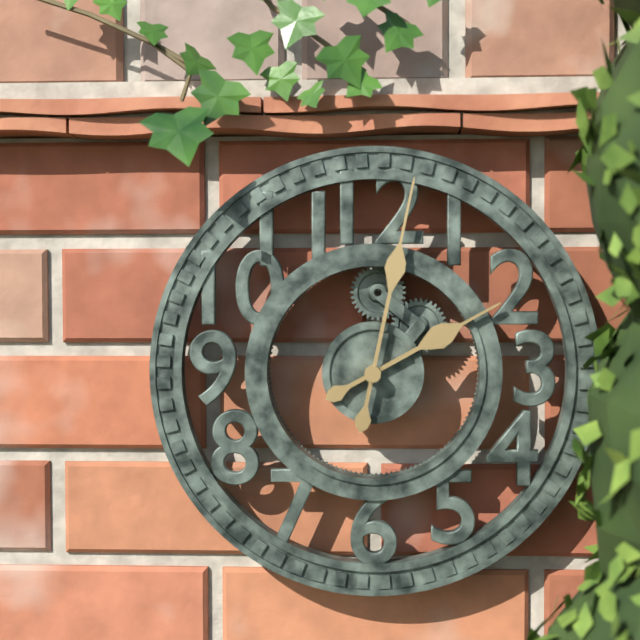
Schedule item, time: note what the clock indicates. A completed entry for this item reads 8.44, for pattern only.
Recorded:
2.02
